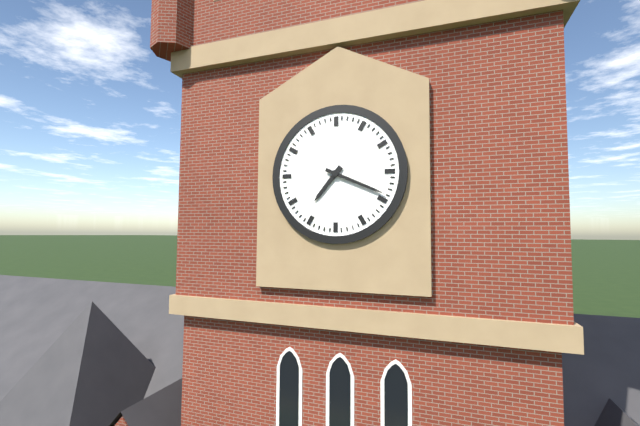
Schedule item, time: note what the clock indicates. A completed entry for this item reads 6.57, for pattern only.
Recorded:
7.19
